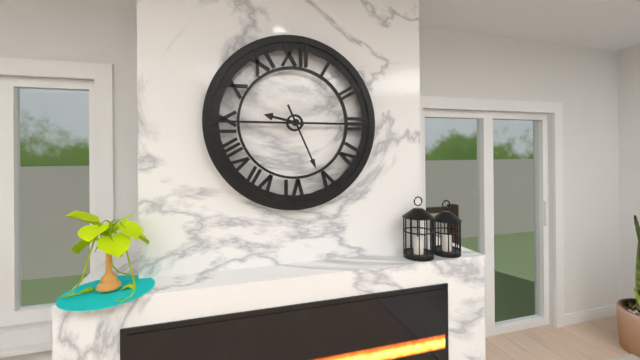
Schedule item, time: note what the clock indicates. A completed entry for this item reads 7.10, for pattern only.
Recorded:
9.26
